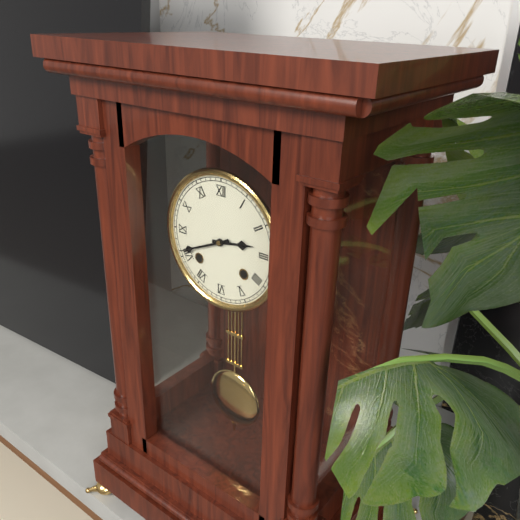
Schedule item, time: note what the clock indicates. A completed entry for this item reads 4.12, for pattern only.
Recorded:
2.41
